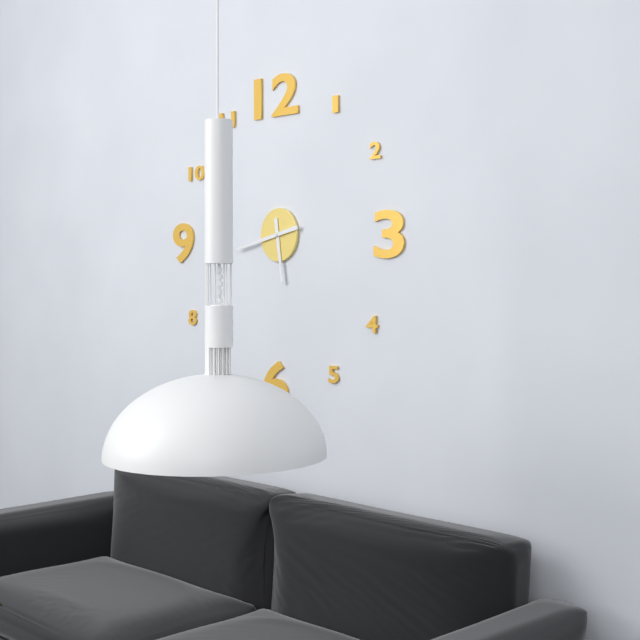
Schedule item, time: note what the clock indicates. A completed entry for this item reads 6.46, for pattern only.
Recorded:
5.43
